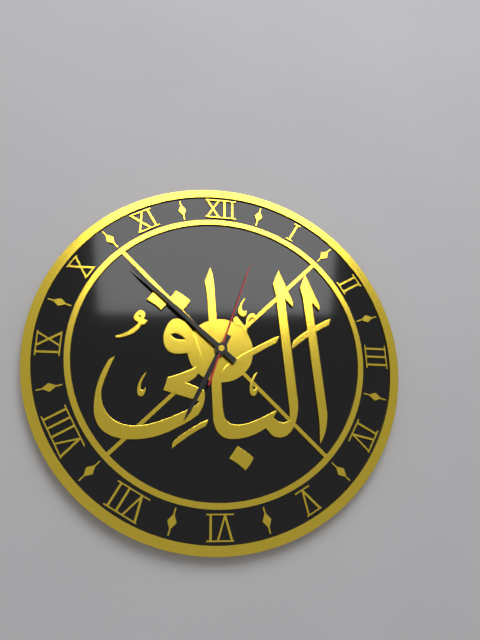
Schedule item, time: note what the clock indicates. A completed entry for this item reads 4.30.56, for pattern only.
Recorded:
6.52.03
